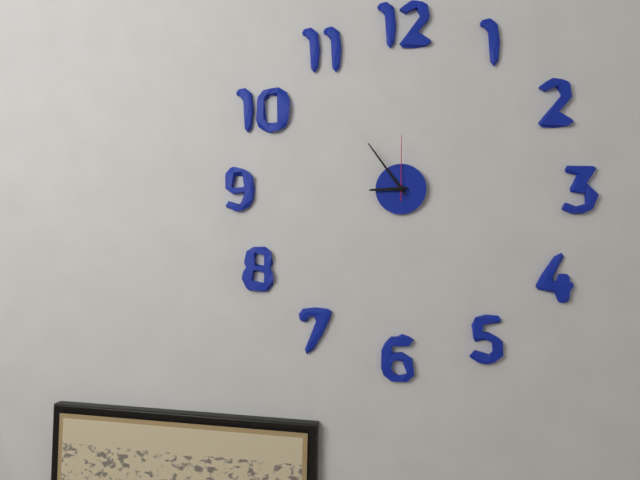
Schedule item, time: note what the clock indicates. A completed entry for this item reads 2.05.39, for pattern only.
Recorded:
8.54.00
